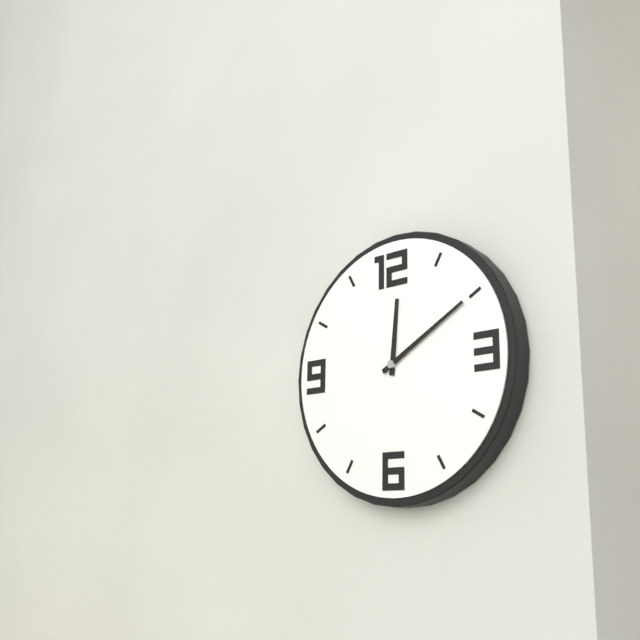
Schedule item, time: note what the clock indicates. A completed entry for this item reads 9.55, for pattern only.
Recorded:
12.10
